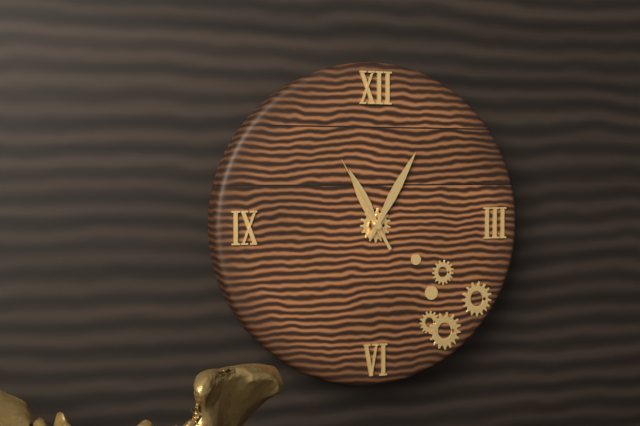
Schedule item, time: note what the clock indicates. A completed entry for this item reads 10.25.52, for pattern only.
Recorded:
11.05.55
